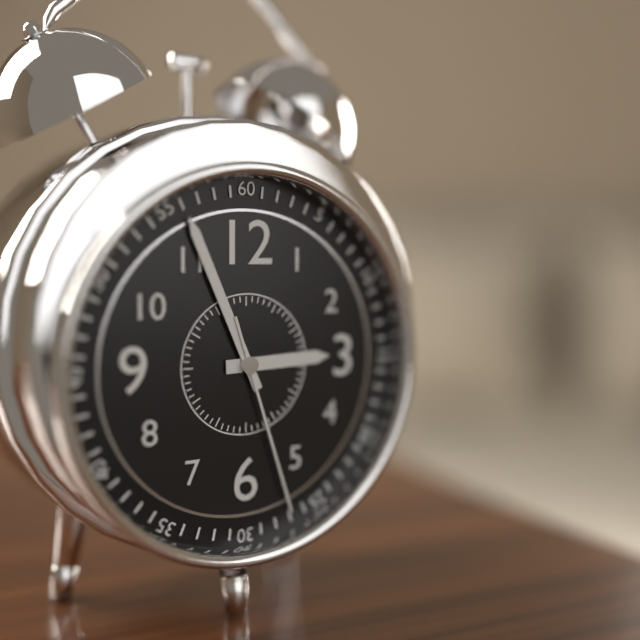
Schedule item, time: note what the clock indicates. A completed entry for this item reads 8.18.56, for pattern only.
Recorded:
2.56.27
